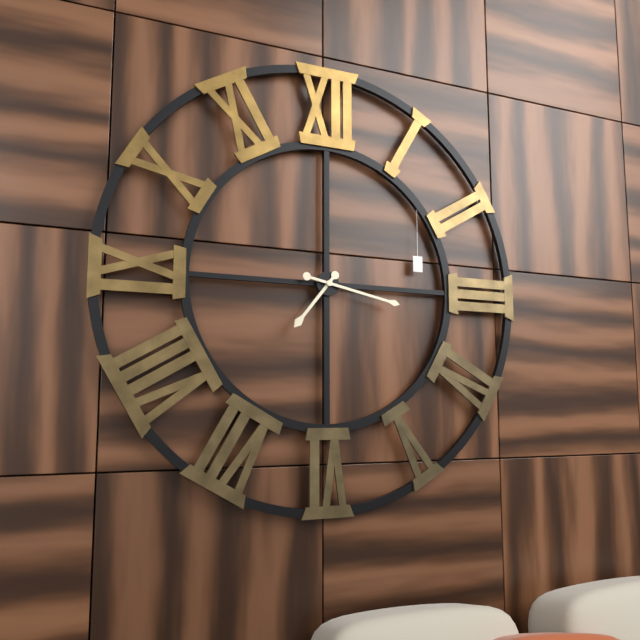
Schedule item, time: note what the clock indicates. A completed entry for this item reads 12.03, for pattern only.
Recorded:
7.17
